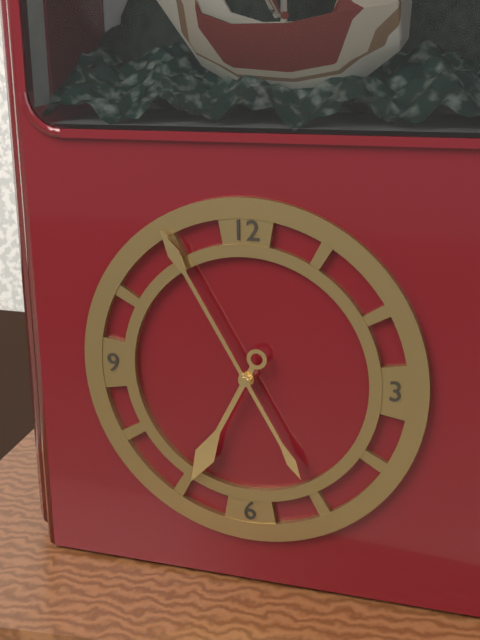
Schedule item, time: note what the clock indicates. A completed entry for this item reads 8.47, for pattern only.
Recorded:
6.55
